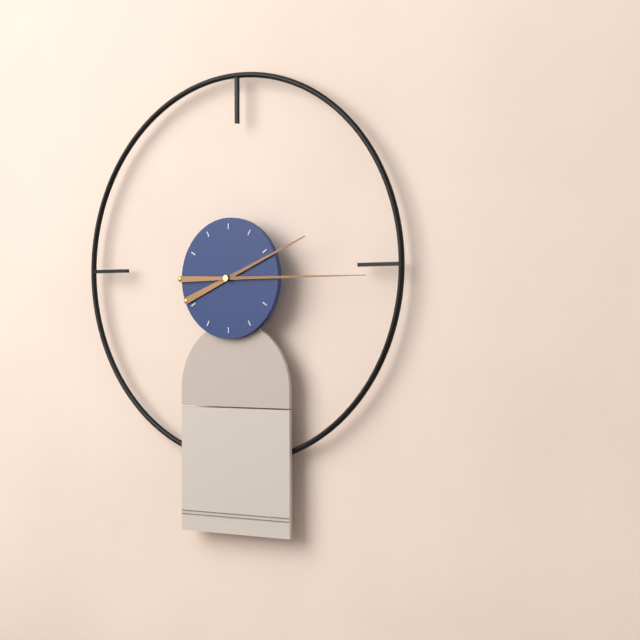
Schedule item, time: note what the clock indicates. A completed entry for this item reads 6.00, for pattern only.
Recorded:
2.15
